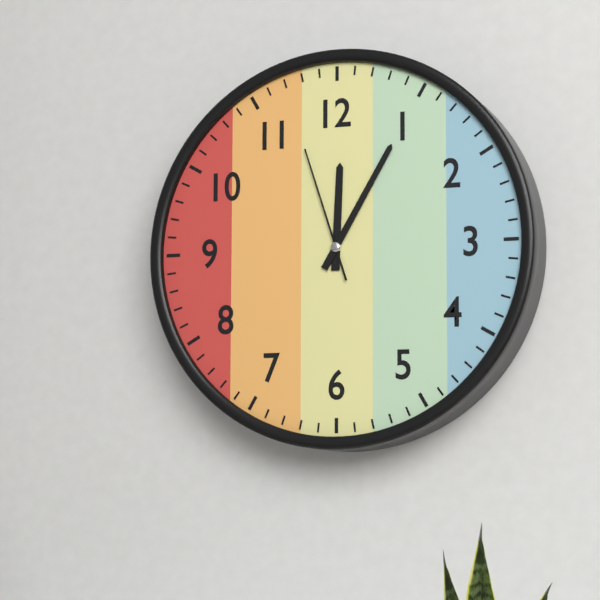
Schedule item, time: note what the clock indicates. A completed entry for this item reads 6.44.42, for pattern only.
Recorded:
12.05.57
